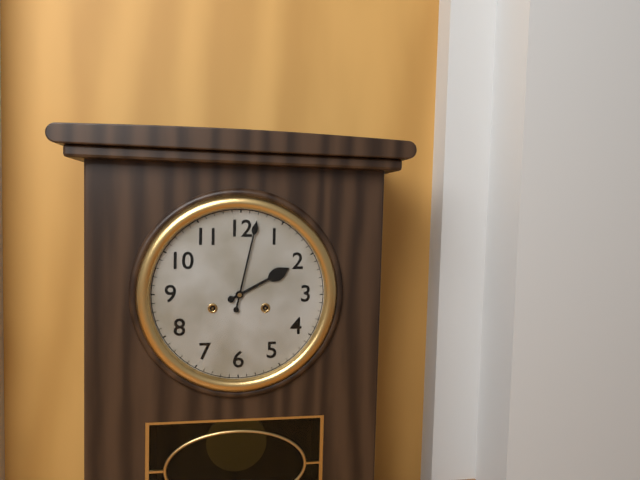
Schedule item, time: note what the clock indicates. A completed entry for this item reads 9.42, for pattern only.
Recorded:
2.02
